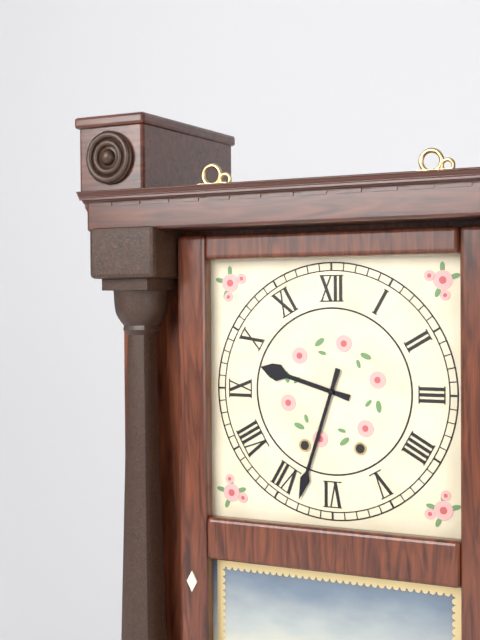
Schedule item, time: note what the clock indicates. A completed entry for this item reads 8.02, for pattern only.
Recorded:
9.33
